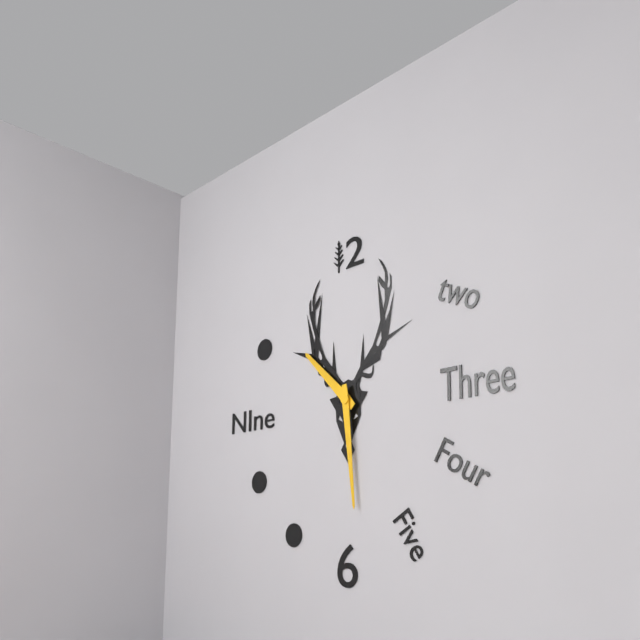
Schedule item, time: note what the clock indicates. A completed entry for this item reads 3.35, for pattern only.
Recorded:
10.29
